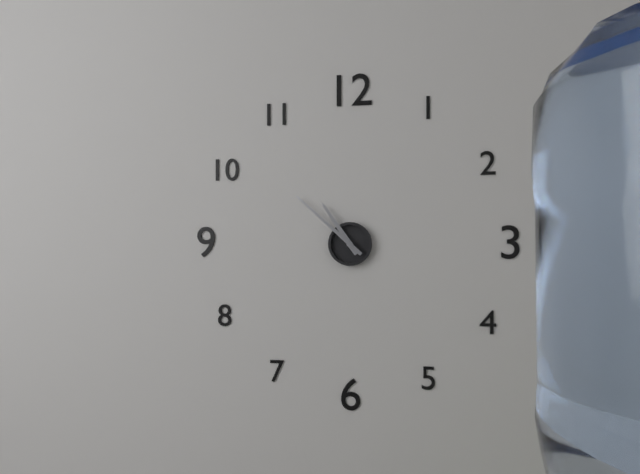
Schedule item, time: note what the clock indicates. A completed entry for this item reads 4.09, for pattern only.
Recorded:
10.52
